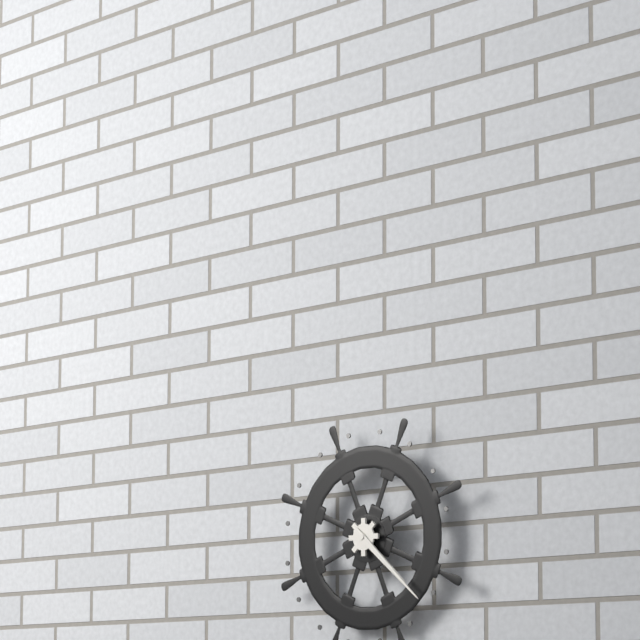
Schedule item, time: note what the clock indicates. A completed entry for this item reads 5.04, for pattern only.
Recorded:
4.22
